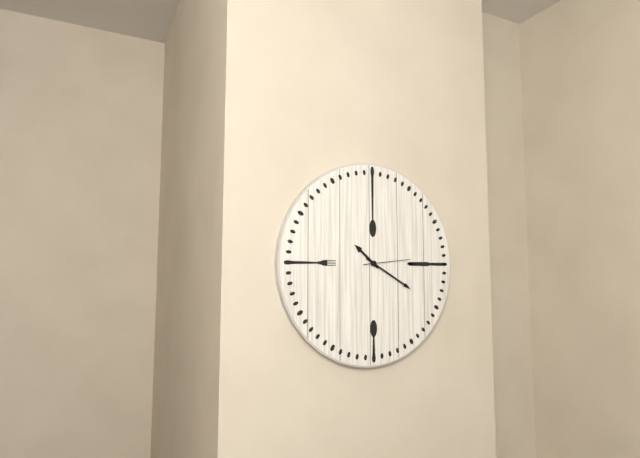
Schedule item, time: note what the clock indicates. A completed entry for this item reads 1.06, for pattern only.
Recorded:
10.20
